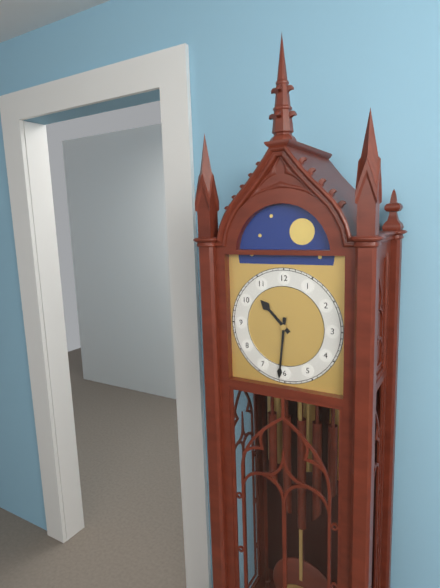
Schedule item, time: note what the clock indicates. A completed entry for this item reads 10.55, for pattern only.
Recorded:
10.31
